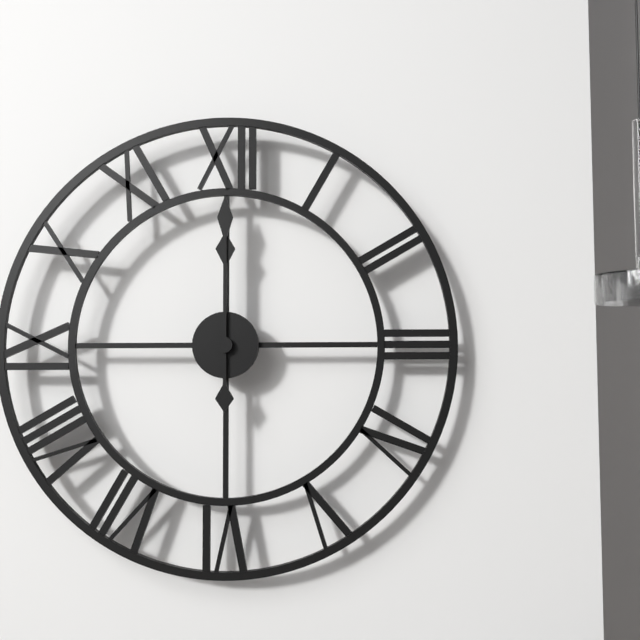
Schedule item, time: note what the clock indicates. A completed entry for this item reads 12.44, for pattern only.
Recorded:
12.00
